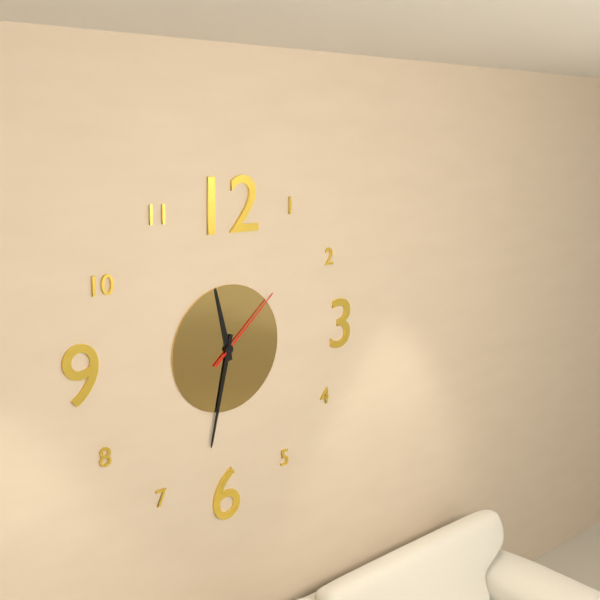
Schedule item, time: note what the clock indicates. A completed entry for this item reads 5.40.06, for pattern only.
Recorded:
11.32.08
